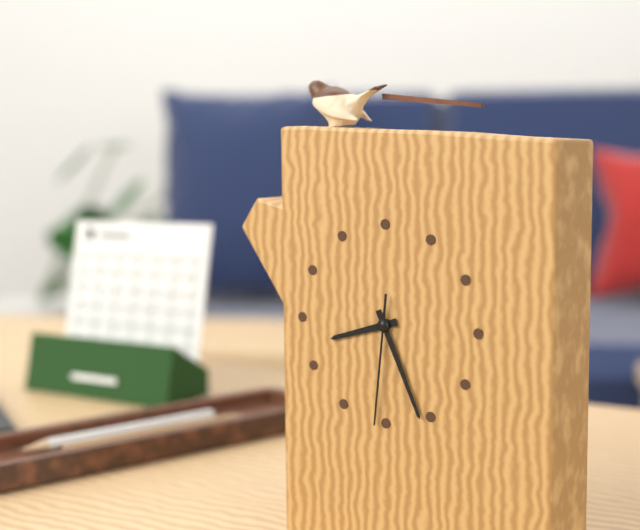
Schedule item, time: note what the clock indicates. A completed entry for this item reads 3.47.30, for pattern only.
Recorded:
8.26.31
